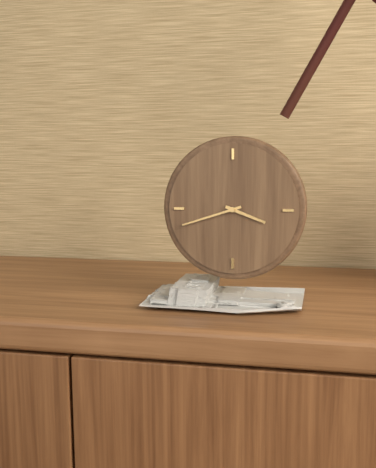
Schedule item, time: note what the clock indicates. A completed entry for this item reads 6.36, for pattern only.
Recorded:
3.42
